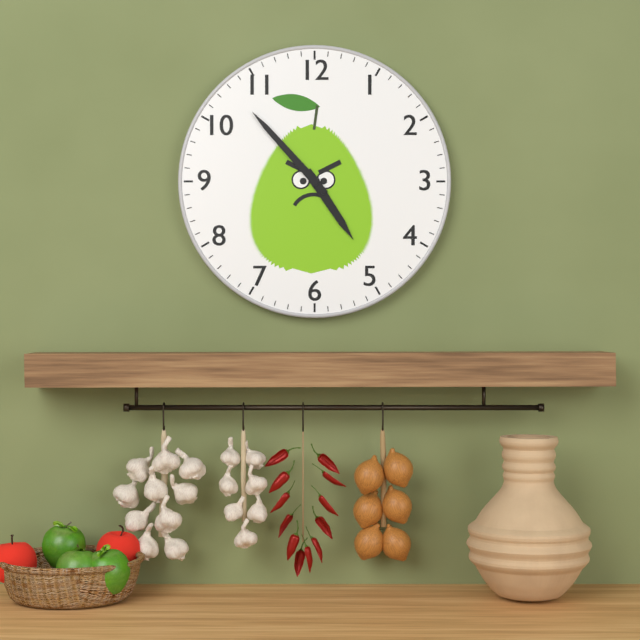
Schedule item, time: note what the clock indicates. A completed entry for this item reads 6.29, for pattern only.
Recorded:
4.53
